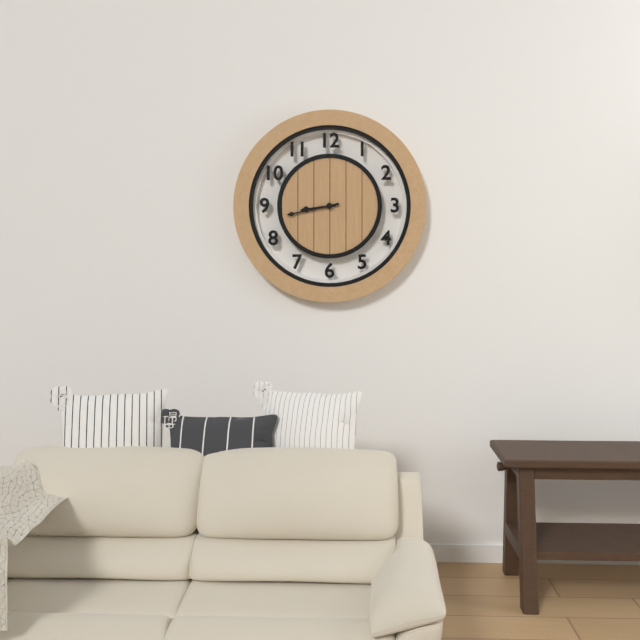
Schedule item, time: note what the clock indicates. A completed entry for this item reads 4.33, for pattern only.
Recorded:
8.43
